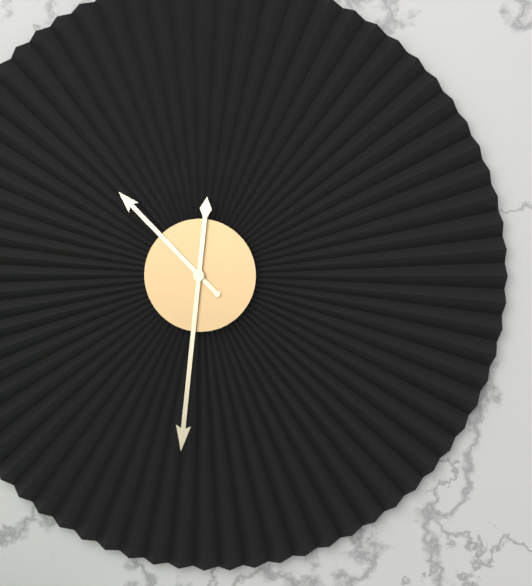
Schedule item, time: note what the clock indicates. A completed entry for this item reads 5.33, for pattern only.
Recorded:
10.31
